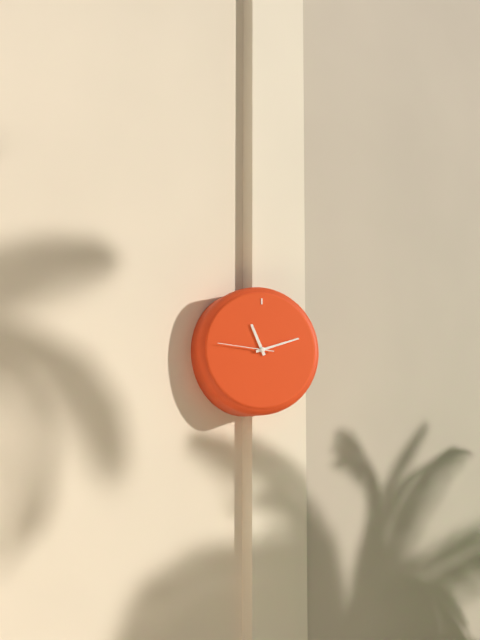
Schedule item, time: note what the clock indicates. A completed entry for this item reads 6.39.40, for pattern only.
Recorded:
11.12.46
